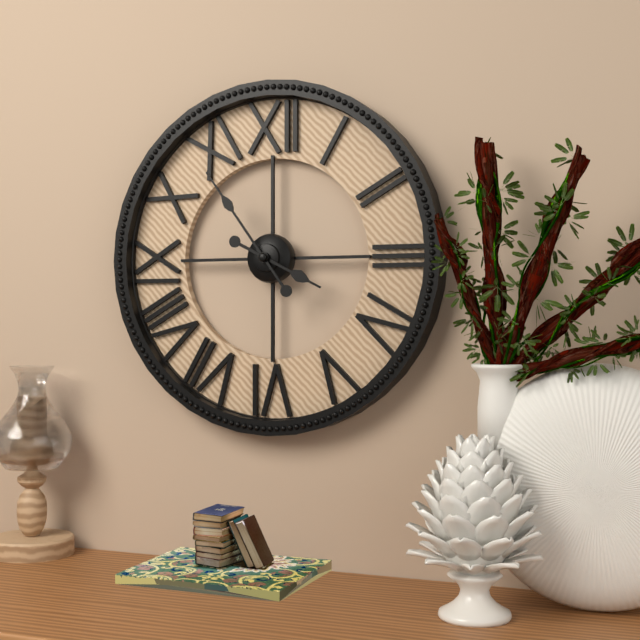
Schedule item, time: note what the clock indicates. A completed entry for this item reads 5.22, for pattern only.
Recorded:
3.54
